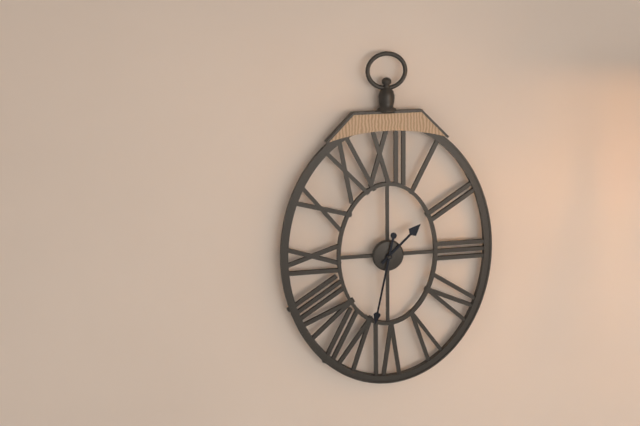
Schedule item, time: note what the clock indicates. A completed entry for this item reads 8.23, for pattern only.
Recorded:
1.32
